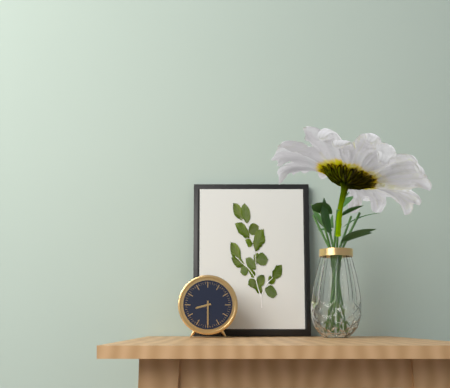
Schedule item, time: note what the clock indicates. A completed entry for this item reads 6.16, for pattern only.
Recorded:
8.30
